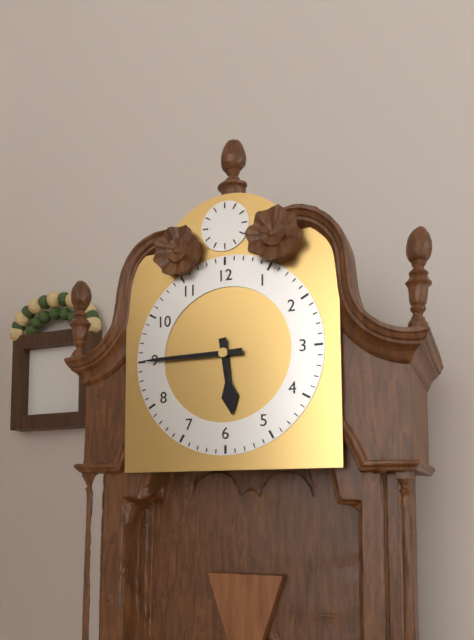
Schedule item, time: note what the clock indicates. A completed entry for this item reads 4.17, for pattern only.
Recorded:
5.45
